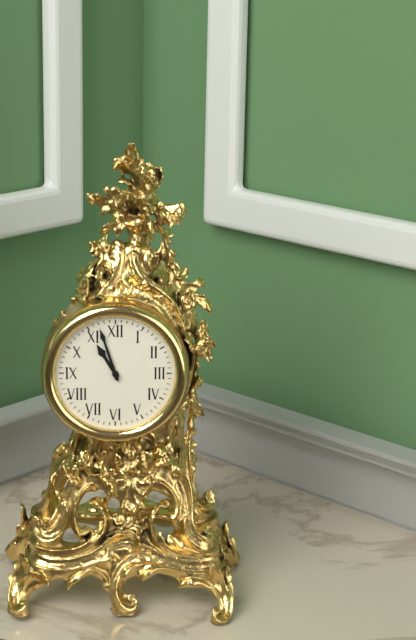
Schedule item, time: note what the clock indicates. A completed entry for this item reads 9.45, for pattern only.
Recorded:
10.57
